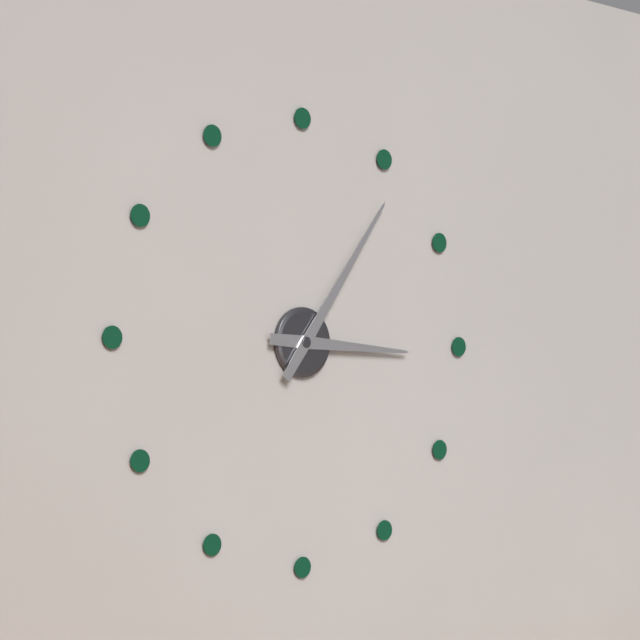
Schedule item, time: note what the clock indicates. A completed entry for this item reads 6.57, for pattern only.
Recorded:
3.06
